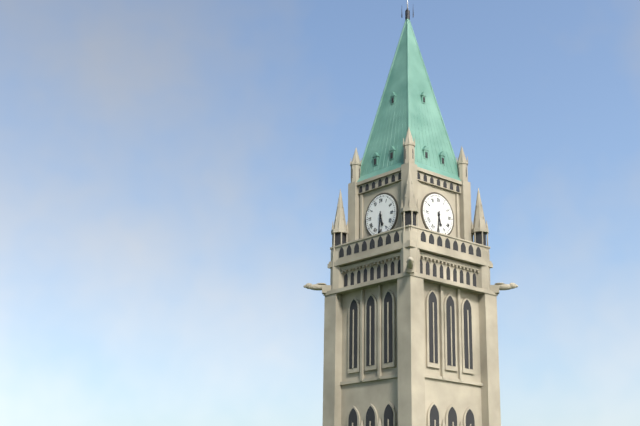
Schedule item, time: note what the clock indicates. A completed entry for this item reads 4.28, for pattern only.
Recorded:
5.31
